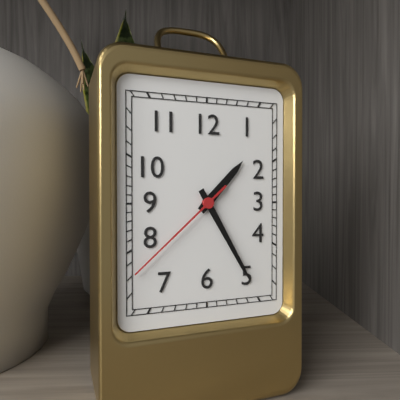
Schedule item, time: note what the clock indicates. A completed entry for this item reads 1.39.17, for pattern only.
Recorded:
1.25.38
